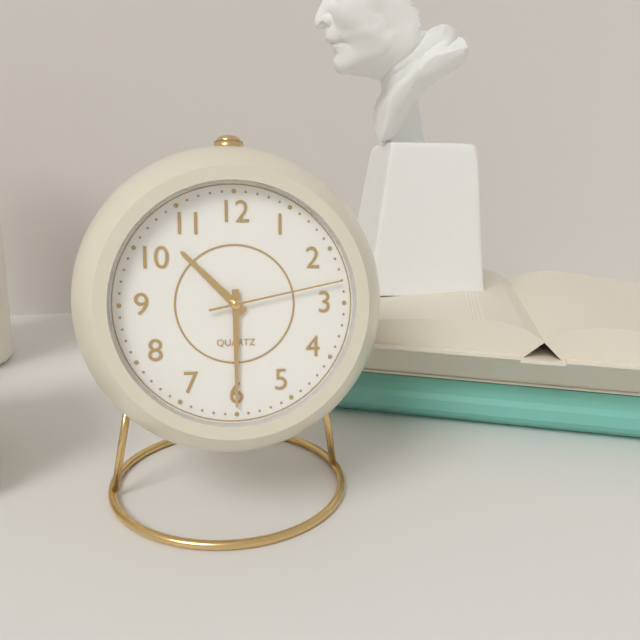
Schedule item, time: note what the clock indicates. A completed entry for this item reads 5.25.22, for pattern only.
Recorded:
10.30.13
